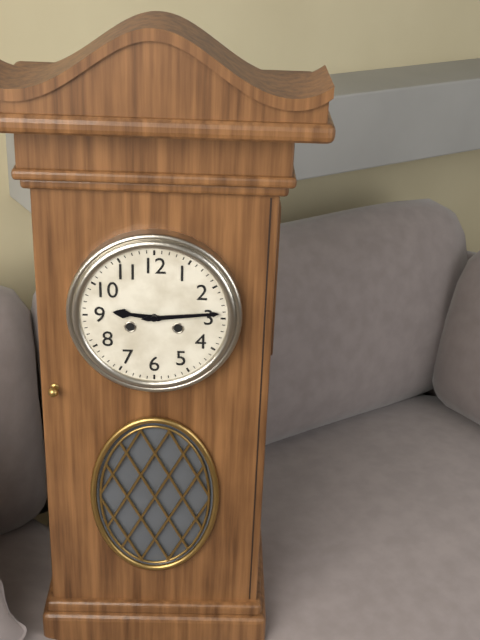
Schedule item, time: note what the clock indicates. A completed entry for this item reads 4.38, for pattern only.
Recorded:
9.14
